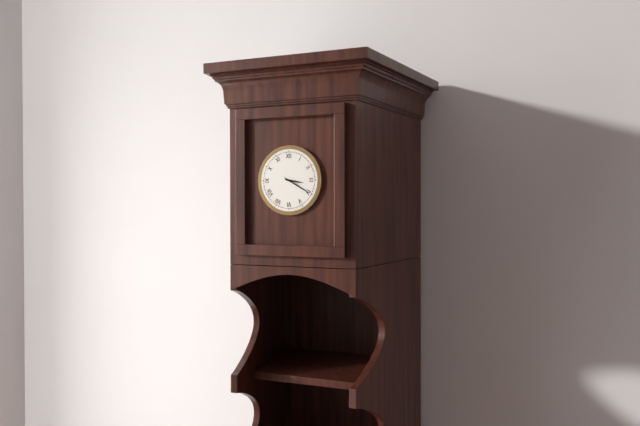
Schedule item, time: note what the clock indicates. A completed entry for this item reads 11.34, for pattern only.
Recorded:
3.20
